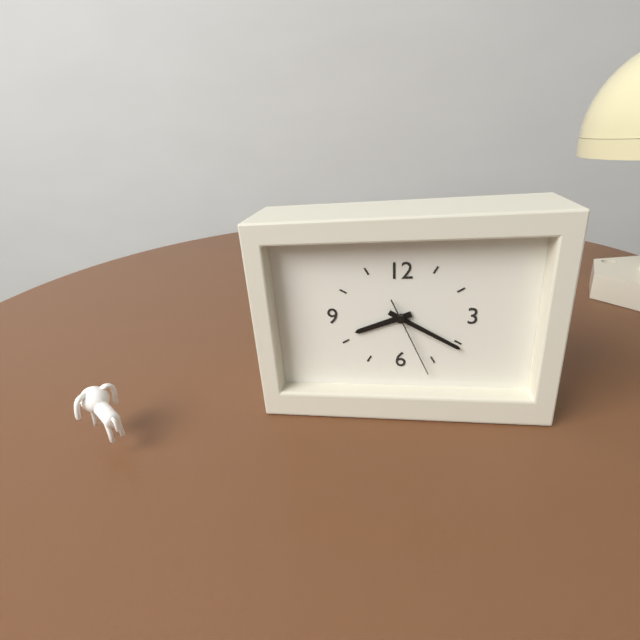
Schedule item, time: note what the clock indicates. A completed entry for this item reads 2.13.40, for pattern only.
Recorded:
8.20.26
